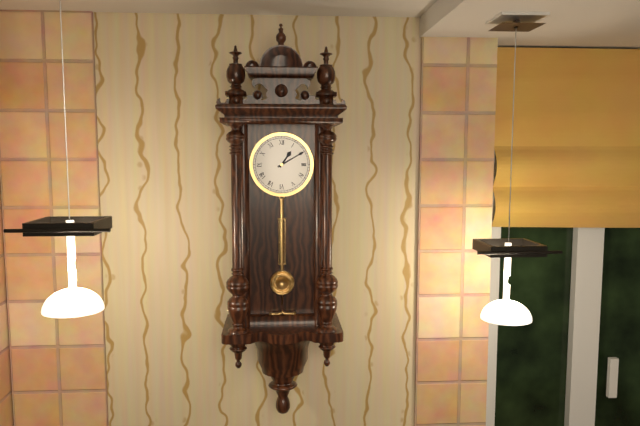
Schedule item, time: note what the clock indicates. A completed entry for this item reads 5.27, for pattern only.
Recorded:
1.10
